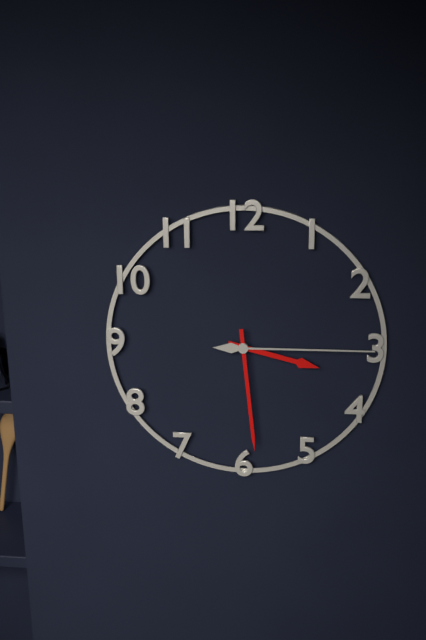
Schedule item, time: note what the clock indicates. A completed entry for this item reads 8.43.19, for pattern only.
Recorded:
3.29.15
